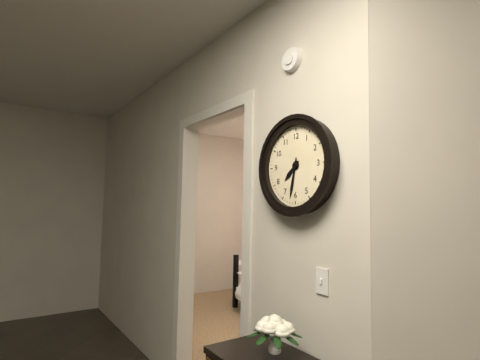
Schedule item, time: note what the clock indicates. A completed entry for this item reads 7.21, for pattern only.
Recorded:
7.32
